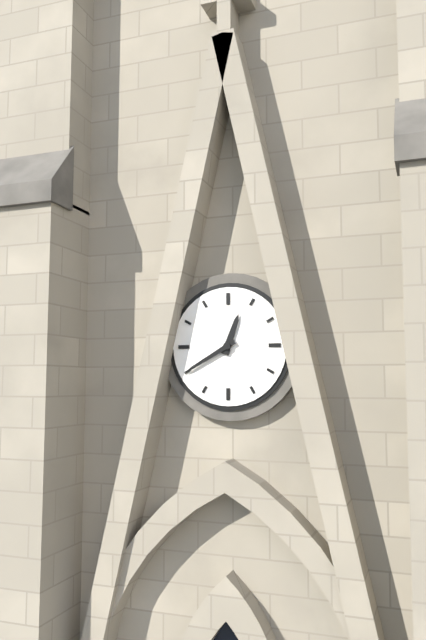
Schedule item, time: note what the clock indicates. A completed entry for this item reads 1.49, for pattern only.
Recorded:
12.40
